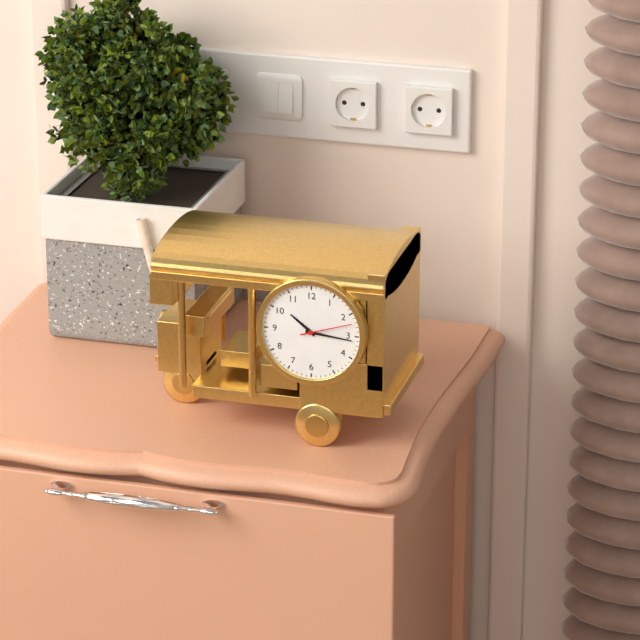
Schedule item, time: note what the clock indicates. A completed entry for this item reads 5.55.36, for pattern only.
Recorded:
10.16.12
